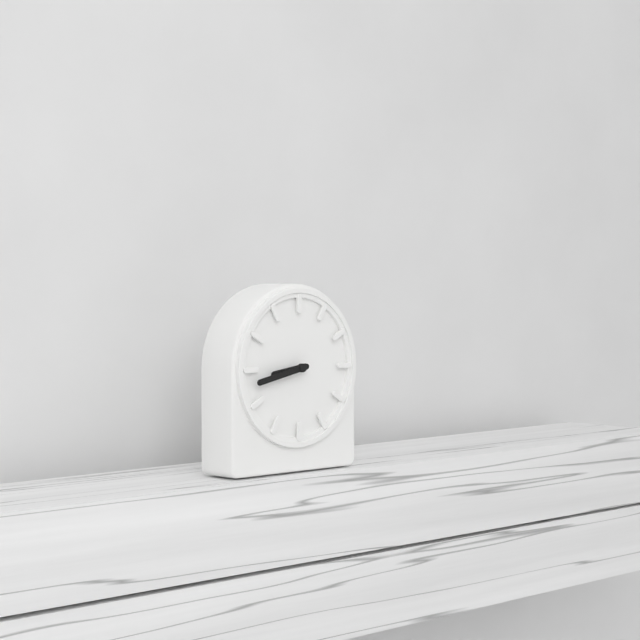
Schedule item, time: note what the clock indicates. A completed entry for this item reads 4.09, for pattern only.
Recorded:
8.43
